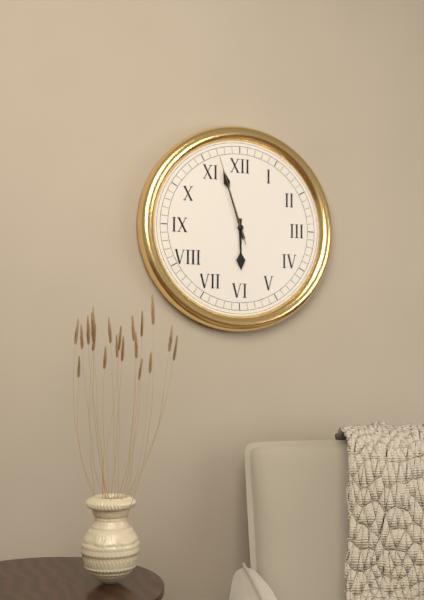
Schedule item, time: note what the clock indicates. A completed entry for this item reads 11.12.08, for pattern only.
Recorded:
5.57.57
